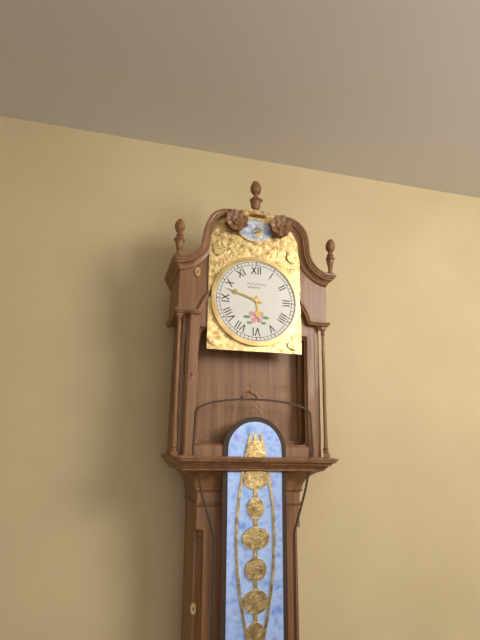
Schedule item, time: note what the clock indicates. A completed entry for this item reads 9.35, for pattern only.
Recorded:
5.48
